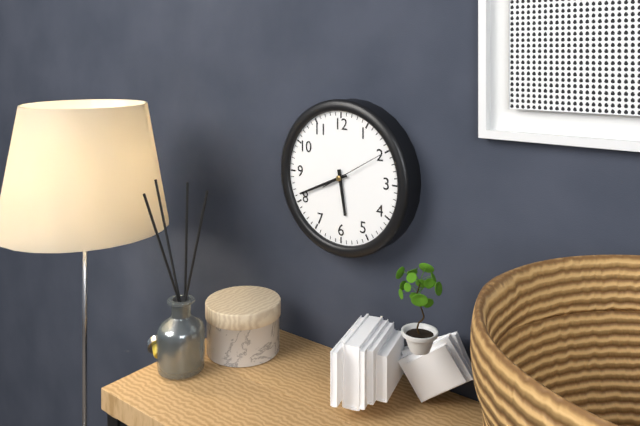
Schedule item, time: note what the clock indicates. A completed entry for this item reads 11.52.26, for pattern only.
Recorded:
5.41.10
